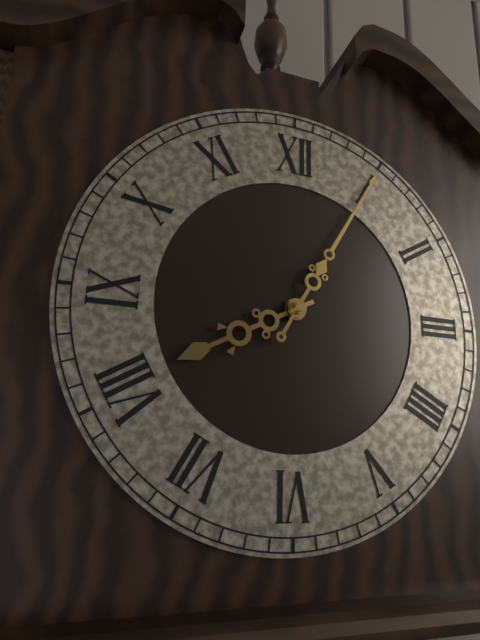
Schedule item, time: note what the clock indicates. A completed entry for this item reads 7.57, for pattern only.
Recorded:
8.05
